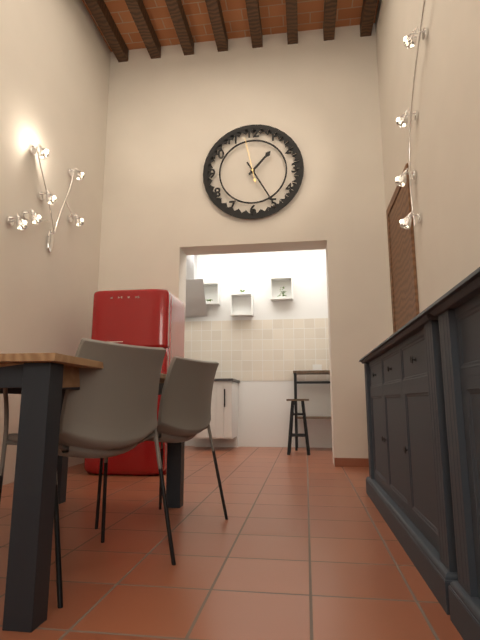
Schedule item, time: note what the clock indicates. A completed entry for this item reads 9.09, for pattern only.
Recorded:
1.25
